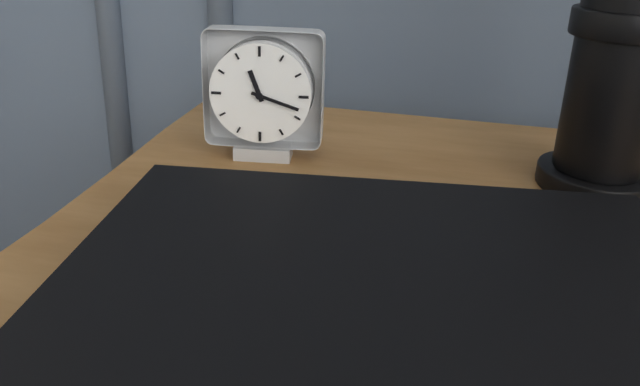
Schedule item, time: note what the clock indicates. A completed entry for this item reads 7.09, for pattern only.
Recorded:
11.18
